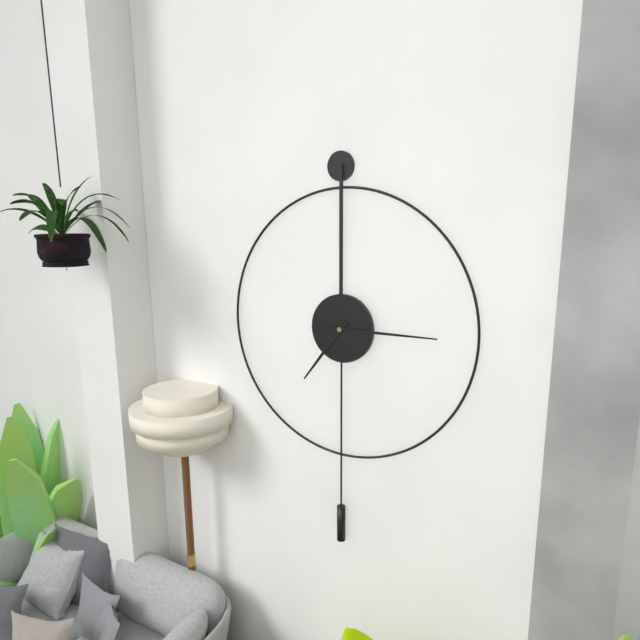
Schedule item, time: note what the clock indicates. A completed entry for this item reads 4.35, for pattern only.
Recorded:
7.15
